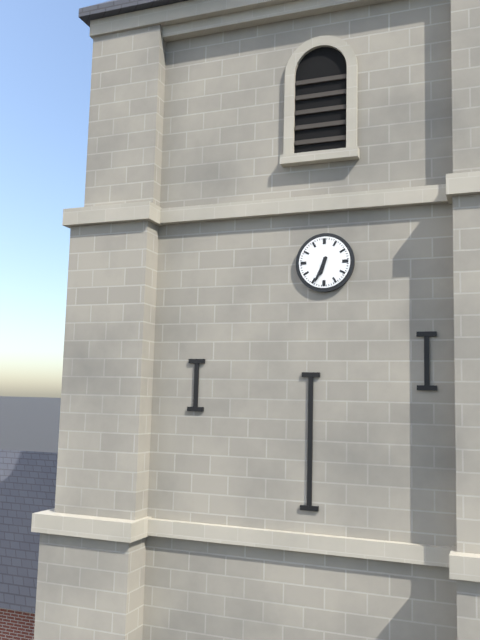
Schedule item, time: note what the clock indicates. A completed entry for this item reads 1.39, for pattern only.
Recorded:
6.34
